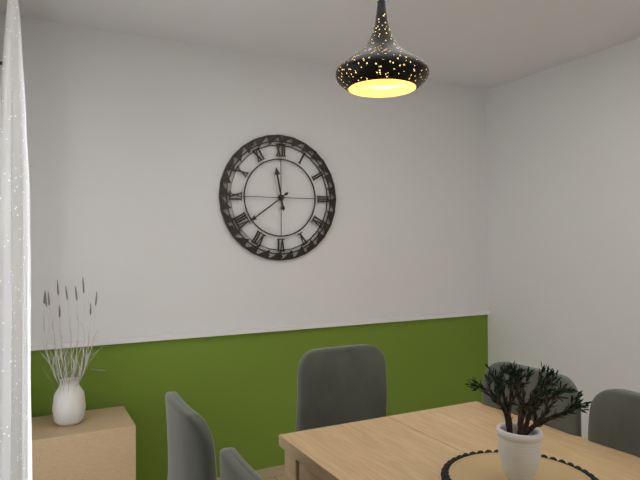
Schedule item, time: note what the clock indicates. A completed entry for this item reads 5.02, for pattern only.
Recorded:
11.39
